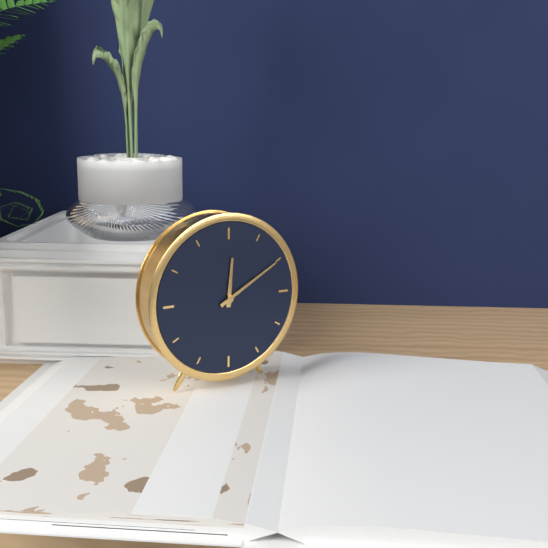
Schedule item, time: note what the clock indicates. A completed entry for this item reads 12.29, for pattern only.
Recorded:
12.10
